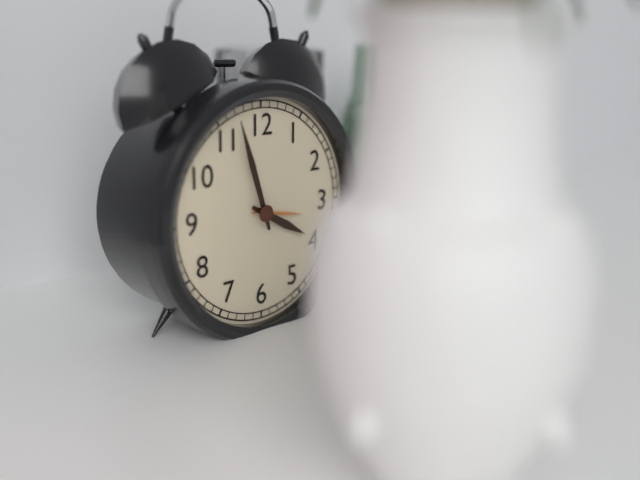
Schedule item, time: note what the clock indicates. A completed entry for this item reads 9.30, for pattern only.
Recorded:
3.57
